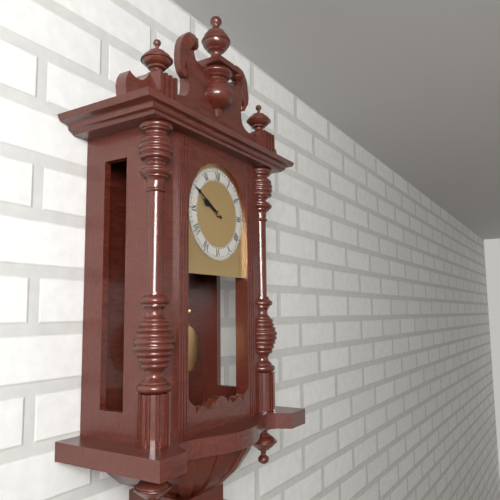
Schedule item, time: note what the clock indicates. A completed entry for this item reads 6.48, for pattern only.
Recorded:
9.50
